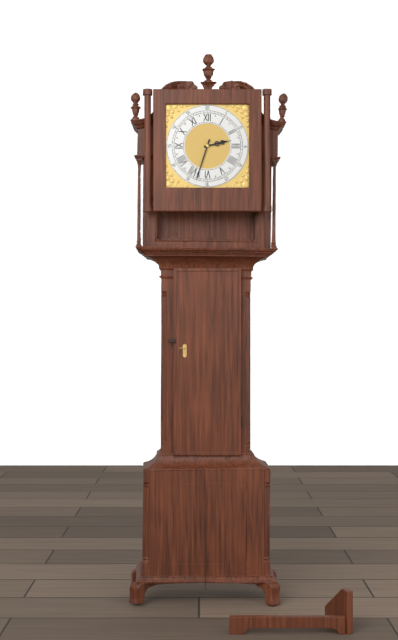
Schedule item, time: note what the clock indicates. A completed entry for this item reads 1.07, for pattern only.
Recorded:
2.33
